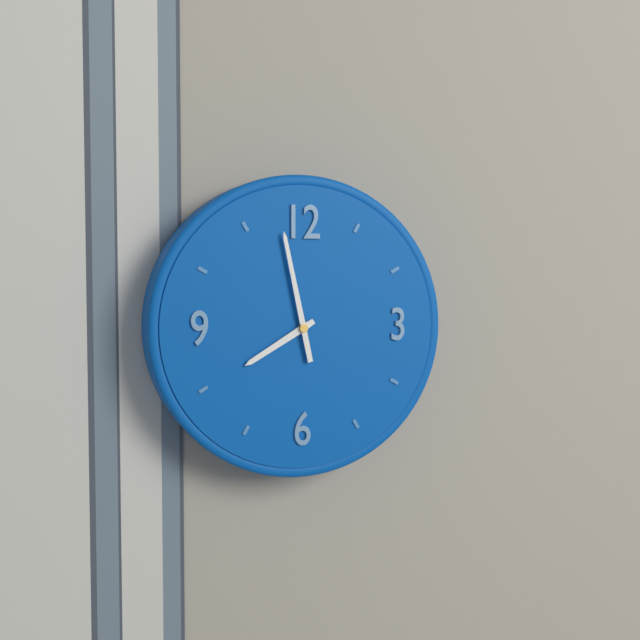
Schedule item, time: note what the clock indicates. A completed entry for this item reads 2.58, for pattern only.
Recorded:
7.58
